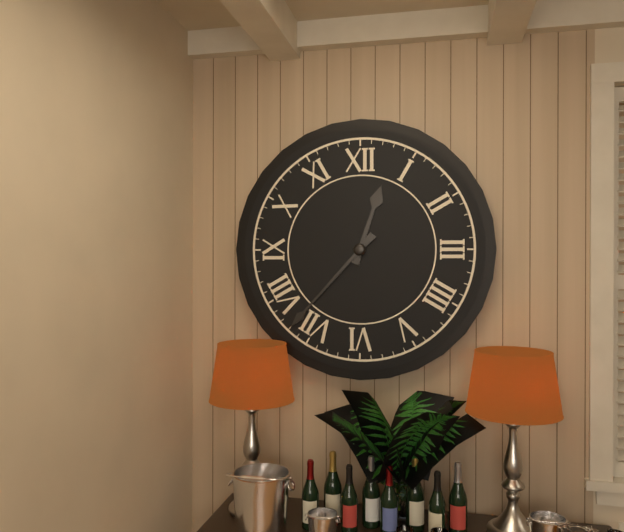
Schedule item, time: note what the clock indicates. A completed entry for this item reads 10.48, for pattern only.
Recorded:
12.37
